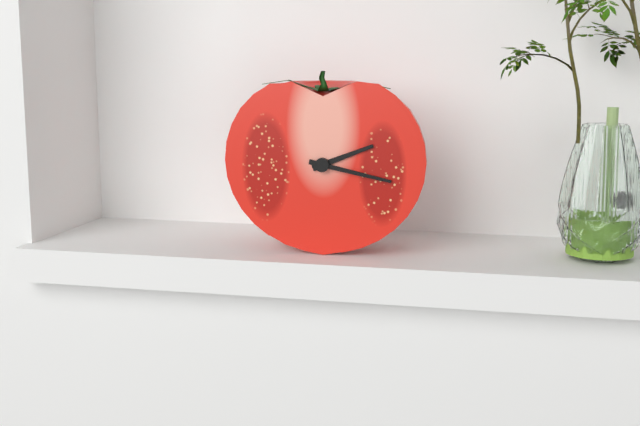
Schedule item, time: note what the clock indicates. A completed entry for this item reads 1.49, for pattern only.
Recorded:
2.17
